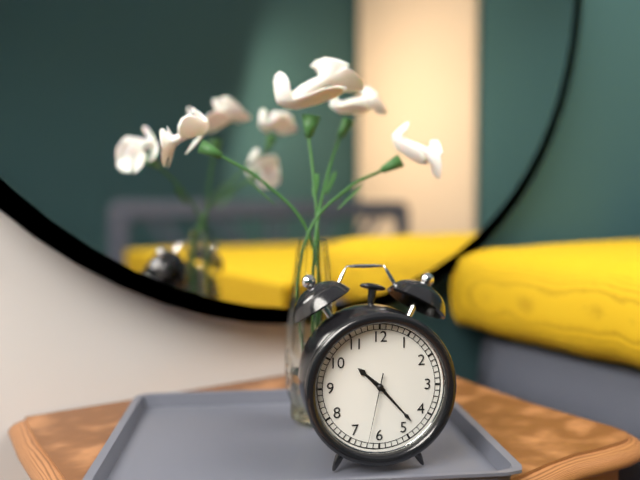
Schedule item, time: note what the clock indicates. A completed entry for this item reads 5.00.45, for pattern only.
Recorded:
10.23.32
